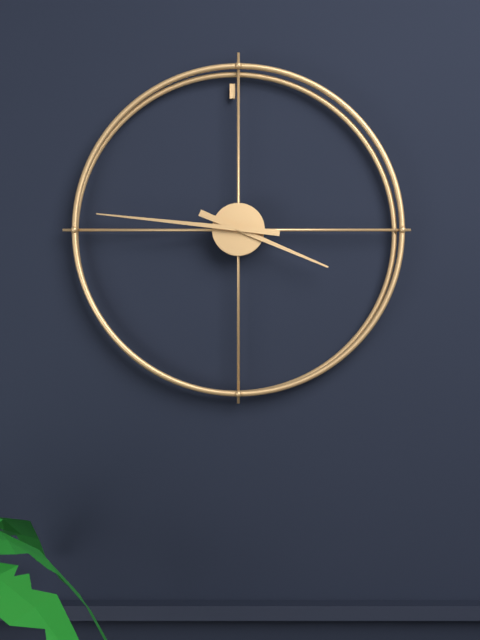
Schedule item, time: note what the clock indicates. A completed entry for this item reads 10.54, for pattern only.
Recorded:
3.46
